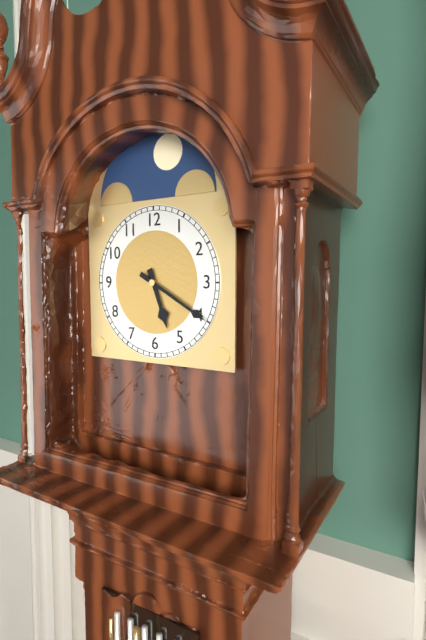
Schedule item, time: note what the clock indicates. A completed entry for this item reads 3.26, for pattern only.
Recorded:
5.20
